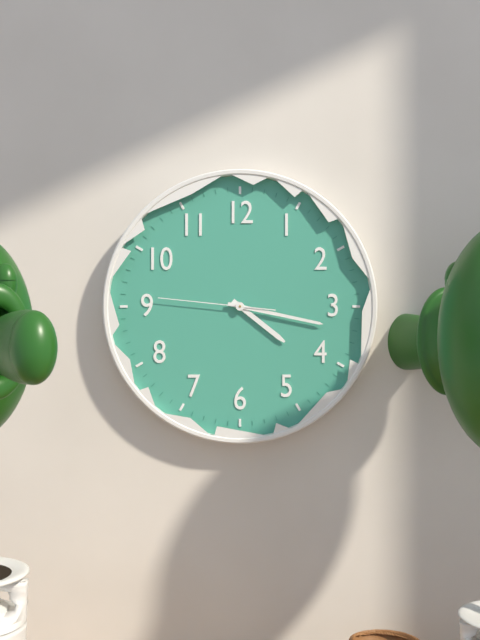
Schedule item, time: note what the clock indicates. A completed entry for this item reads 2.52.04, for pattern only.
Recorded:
4.17.46
